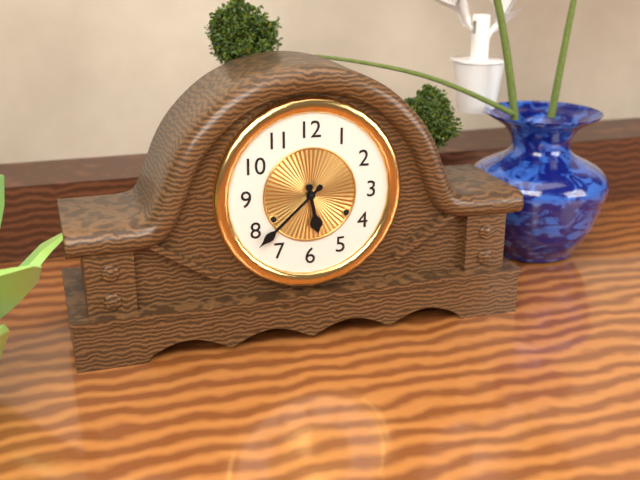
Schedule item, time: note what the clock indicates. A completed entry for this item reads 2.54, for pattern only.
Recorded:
5.38
